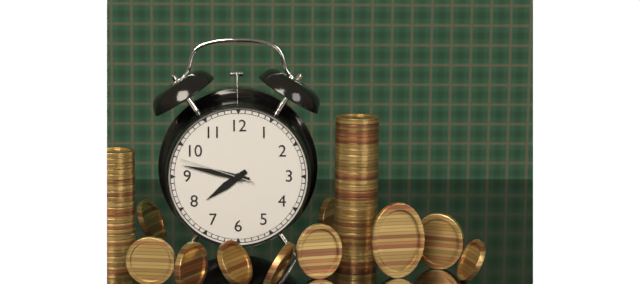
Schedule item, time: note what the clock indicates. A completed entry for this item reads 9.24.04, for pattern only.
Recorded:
7.47.48
